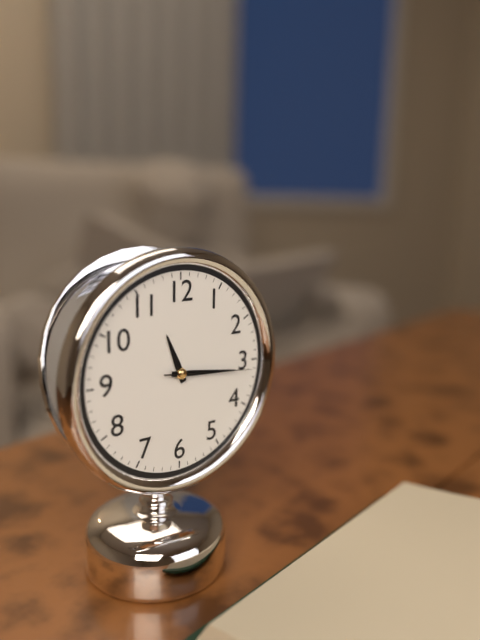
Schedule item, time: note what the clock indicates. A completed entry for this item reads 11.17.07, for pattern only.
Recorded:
11.16.16
